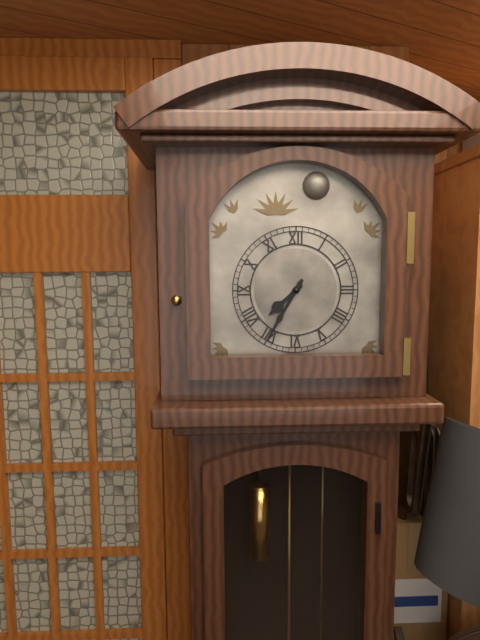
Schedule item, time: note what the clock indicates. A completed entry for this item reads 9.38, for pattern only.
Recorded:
7.35
